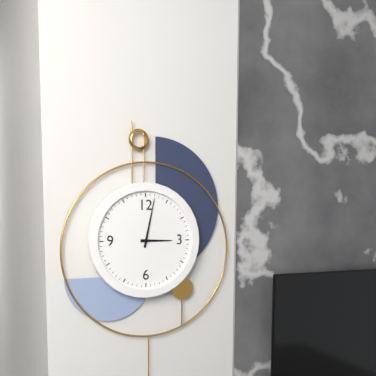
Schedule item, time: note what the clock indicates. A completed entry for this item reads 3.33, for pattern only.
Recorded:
3.02
